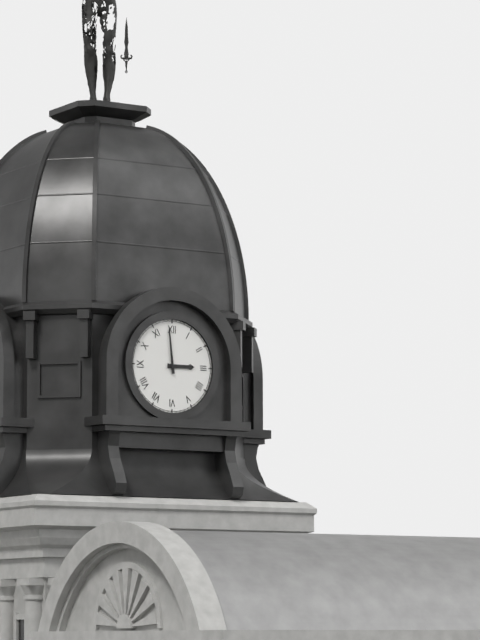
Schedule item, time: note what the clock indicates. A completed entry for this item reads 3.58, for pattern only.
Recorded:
2.59
